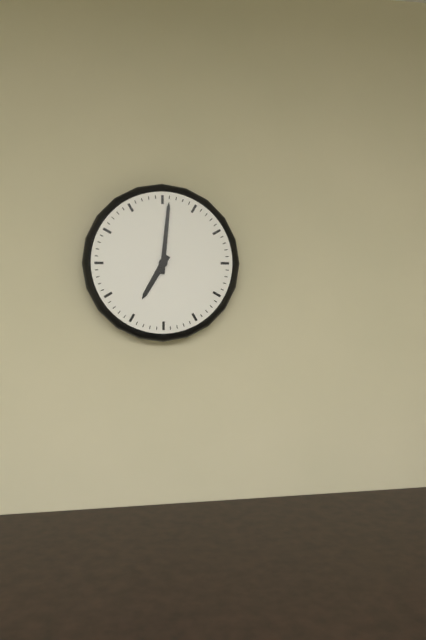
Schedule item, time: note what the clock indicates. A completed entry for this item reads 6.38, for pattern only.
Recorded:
7.01
